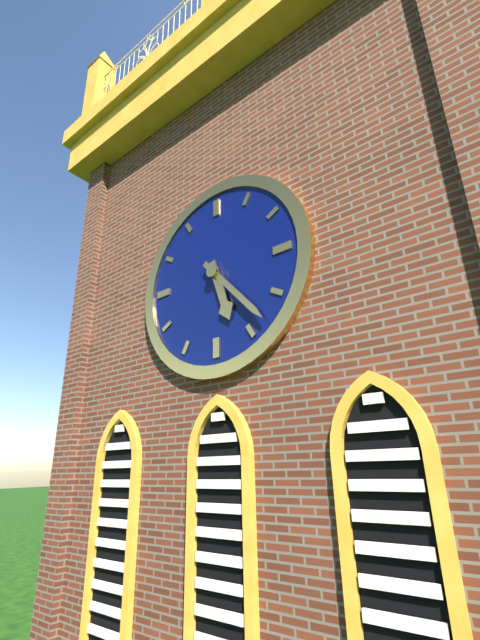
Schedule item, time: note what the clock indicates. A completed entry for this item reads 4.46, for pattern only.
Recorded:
5.23
